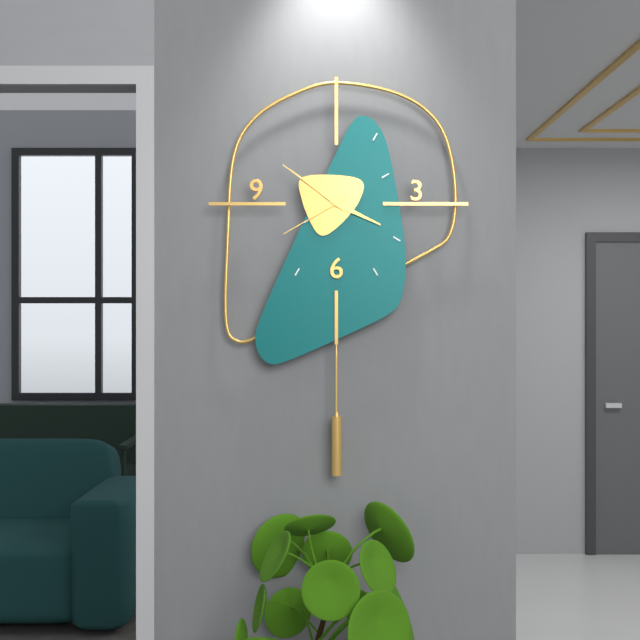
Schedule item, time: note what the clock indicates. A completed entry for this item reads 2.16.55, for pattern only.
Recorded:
3.51.40
